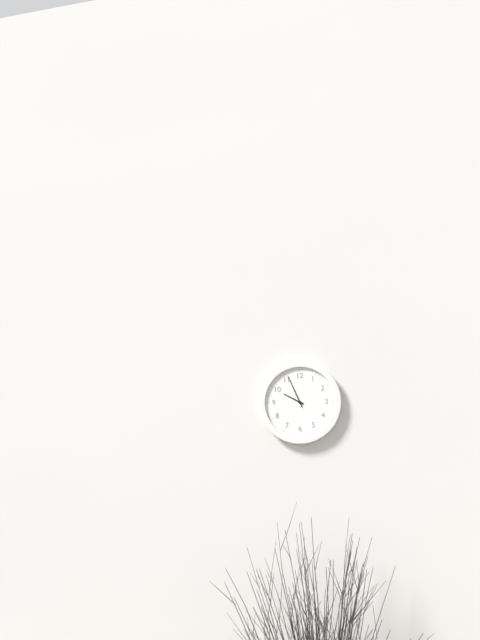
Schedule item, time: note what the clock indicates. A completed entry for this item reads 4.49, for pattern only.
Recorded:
9.56
